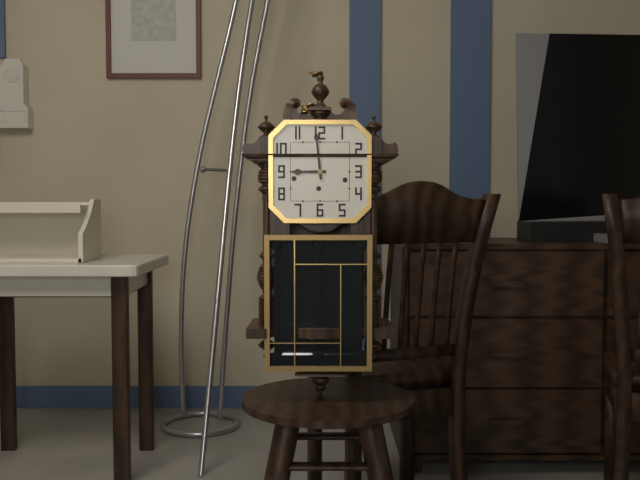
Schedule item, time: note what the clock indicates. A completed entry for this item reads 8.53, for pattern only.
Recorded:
8.59
